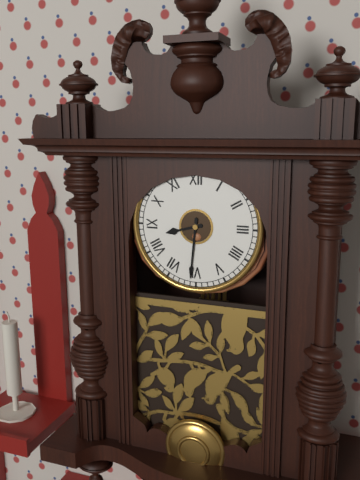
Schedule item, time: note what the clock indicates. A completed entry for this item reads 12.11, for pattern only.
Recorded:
8.31
